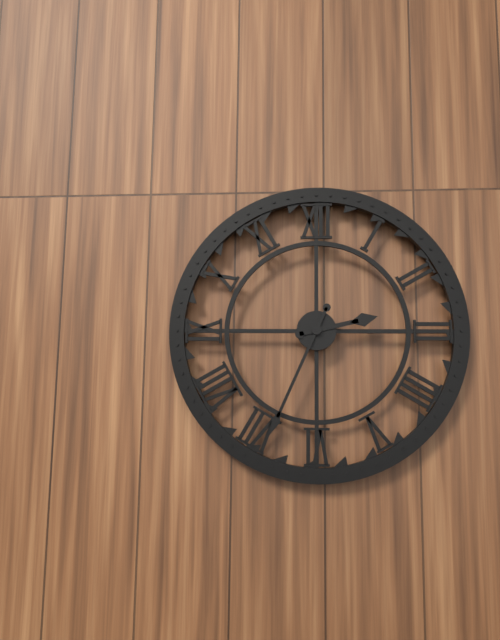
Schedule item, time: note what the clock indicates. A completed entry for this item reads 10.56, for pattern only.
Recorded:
2.34
